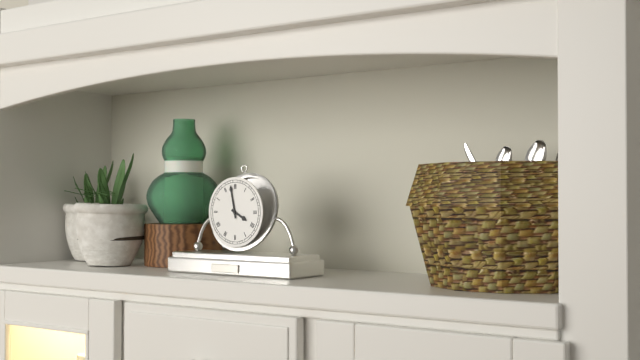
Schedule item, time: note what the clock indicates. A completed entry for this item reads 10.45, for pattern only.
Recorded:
3.58
